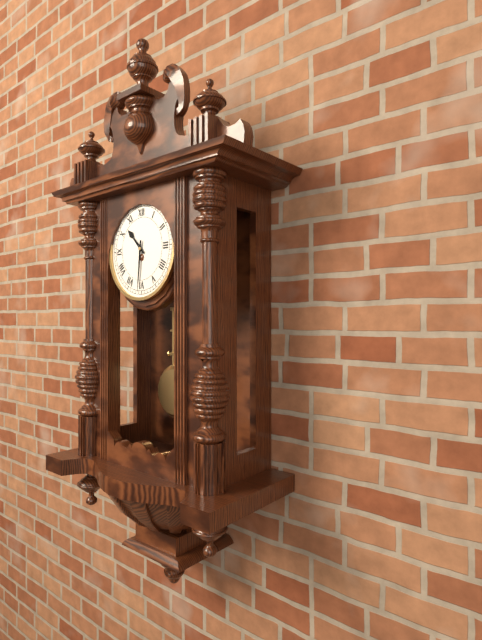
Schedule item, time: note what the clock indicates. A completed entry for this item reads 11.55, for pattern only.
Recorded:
10.31
